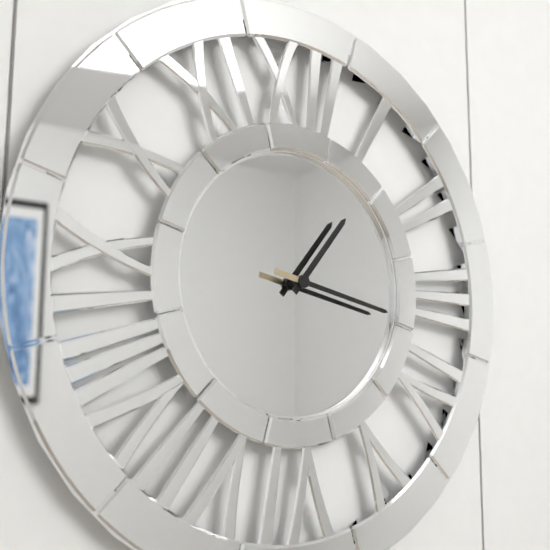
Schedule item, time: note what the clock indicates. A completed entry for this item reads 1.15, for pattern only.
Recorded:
1.17
